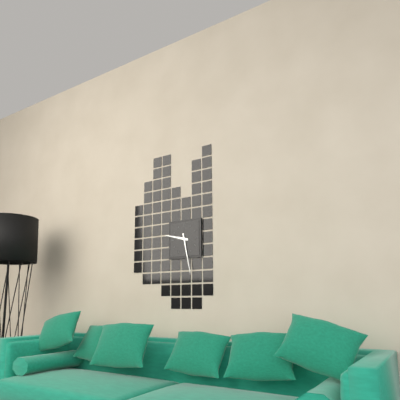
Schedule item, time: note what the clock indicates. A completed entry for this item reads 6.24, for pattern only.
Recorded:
9.28
